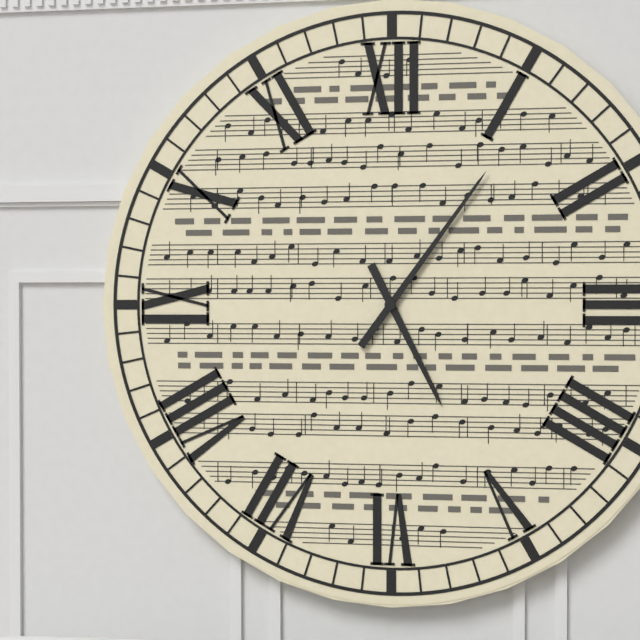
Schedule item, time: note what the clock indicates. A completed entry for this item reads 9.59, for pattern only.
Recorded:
5.06
